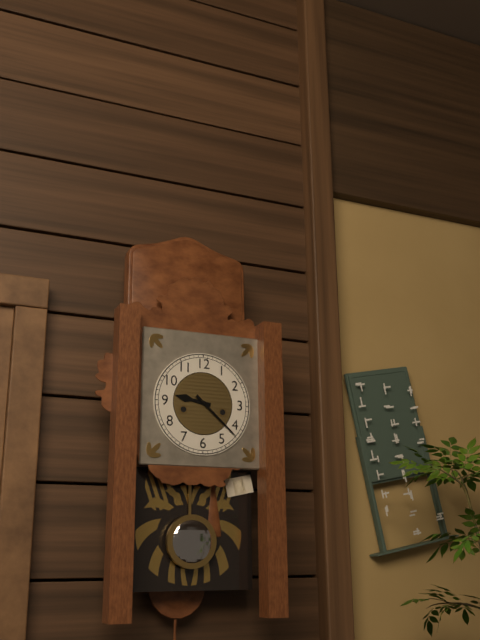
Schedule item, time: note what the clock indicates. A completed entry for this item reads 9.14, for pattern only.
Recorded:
9.22
